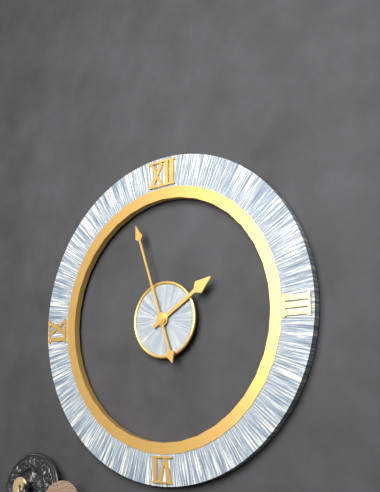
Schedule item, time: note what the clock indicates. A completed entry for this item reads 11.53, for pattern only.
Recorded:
1.57
